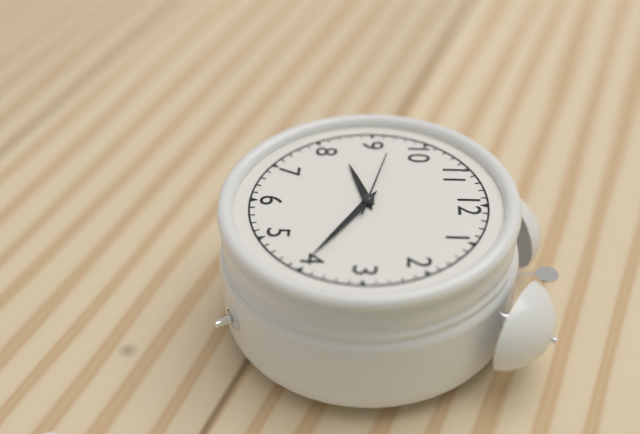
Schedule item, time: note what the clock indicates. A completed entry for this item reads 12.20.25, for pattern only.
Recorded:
8.20.47
